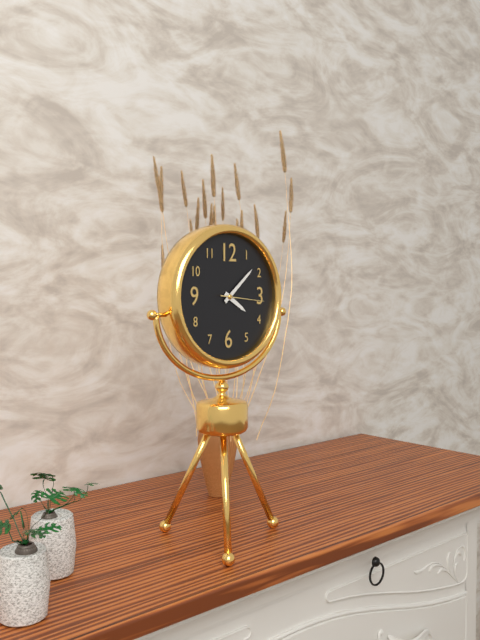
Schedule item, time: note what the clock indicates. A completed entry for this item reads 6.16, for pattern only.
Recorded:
4.08
